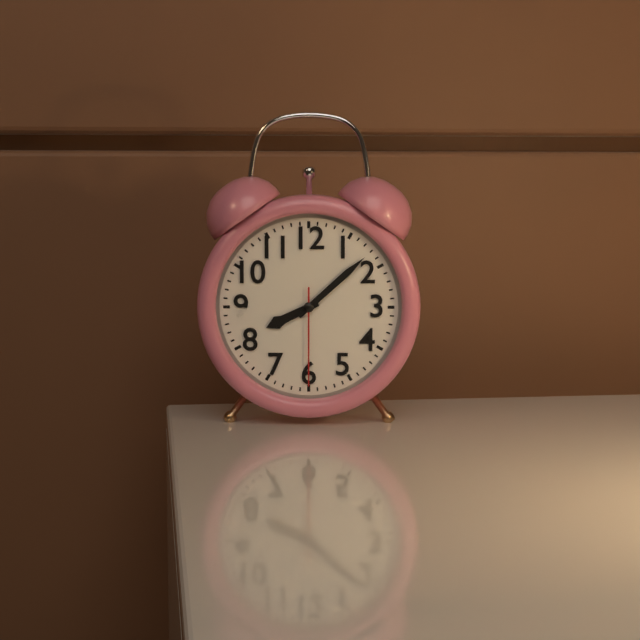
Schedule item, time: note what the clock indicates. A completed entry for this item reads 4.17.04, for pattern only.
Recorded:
8.08.30
